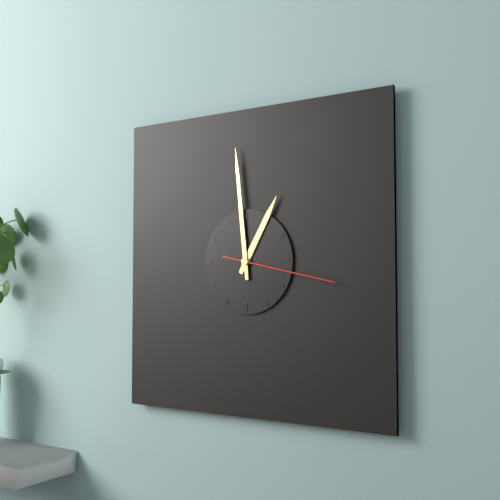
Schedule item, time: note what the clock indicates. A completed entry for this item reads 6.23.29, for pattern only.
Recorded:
12.59.17
